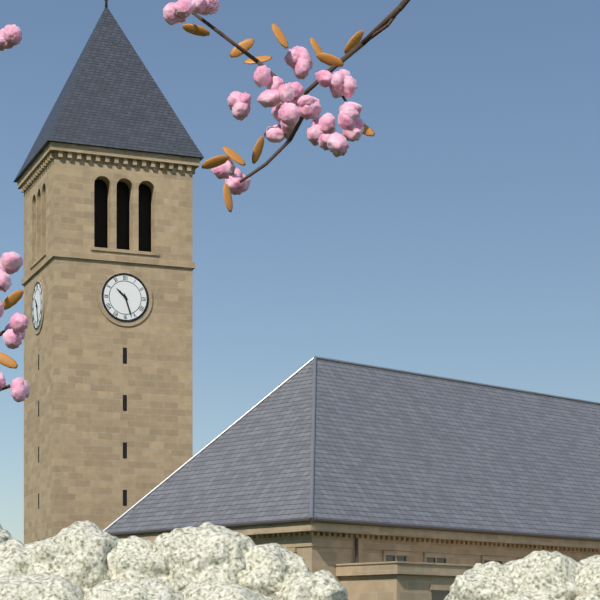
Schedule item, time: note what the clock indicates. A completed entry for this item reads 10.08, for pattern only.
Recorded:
10.27
